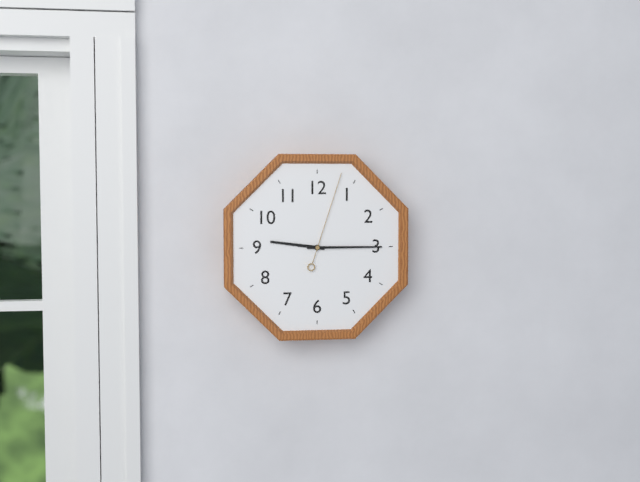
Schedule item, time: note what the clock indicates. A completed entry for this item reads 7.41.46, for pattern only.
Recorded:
9.15.03
